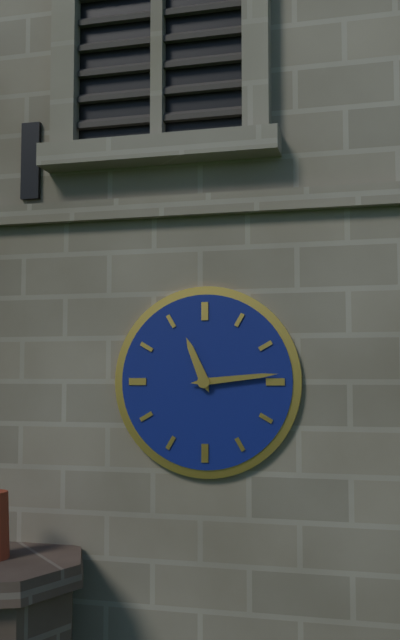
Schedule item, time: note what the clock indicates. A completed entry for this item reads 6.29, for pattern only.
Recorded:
11.14
